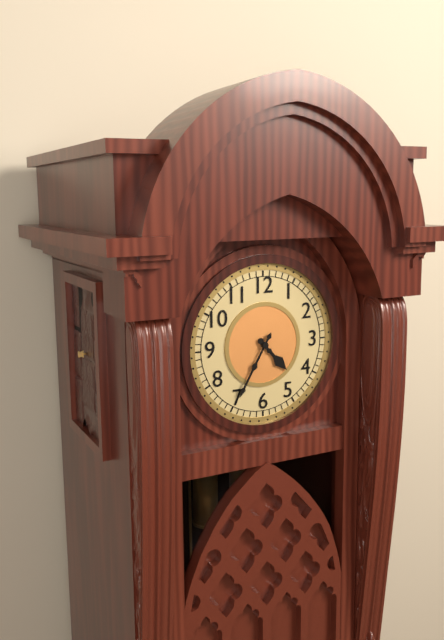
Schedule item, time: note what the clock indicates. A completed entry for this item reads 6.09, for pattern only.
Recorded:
4.35
